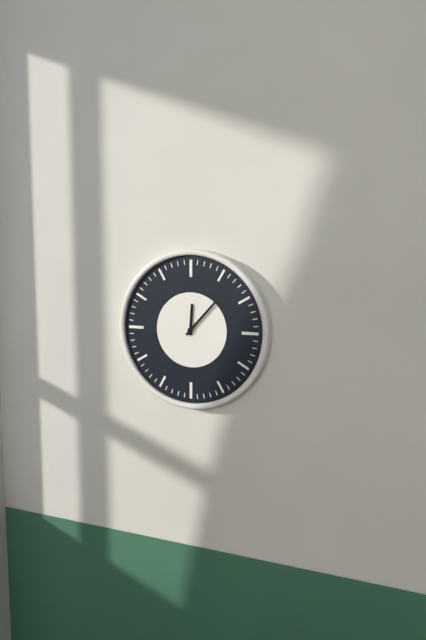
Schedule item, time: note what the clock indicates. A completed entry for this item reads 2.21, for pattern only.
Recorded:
12.07
